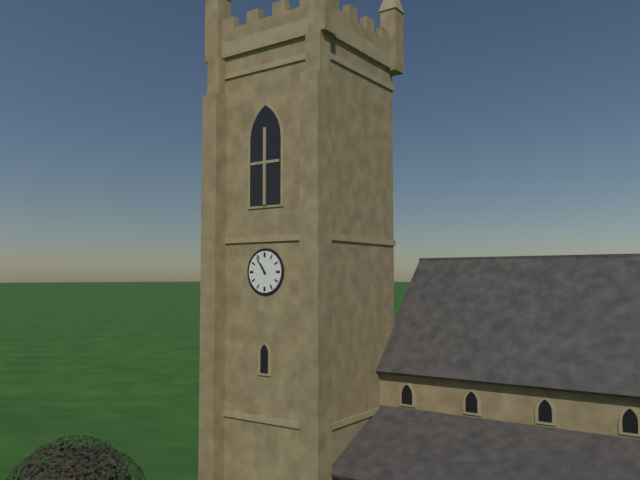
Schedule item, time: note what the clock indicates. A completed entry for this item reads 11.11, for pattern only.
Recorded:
10.54
